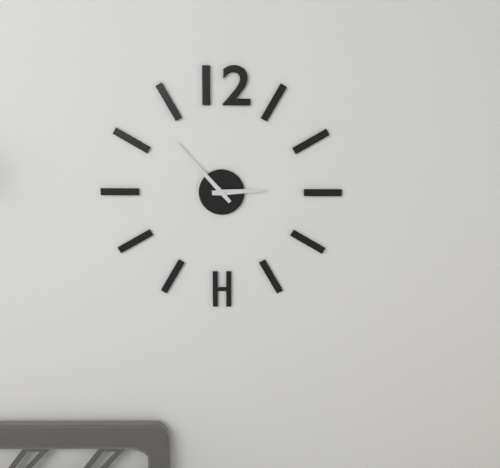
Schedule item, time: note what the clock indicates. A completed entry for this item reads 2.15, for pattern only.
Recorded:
2.53
